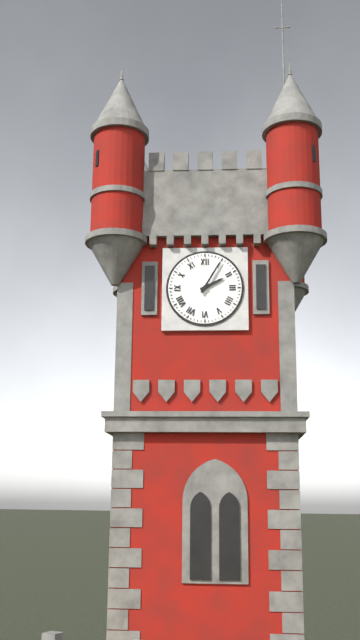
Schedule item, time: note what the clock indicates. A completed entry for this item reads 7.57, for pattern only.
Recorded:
2.05
